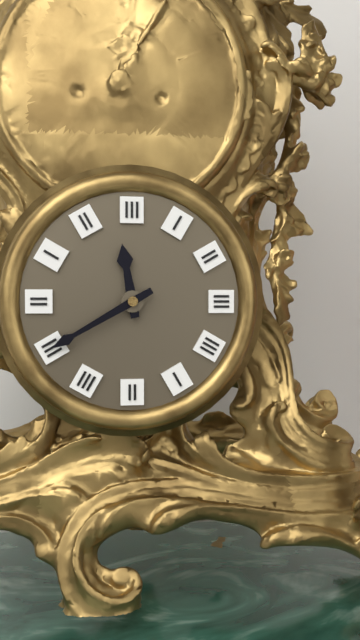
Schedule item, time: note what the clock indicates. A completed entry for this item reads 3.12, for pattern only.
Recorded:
11.40
